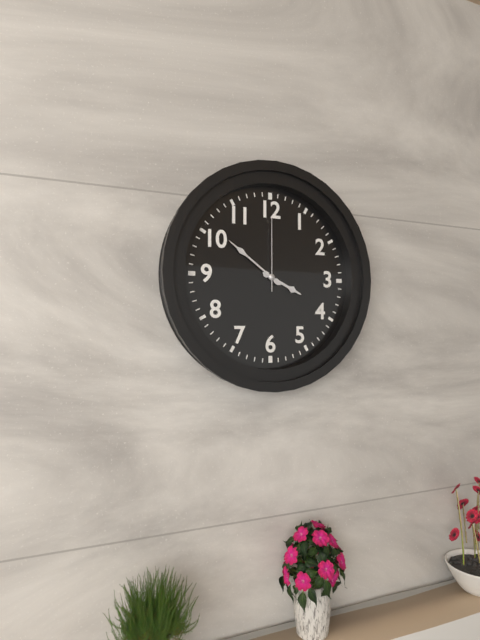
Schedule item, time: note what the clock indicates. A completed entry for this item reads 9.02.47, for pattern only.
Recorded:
3.51.00
